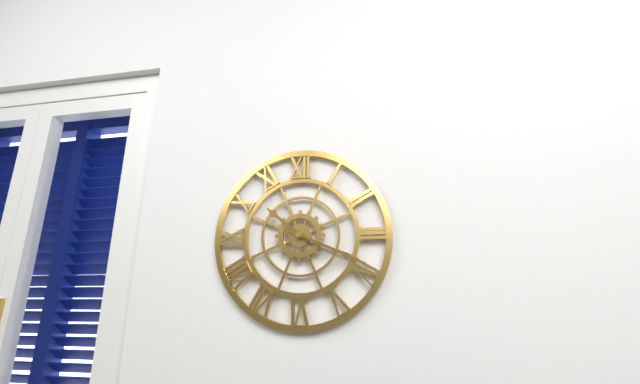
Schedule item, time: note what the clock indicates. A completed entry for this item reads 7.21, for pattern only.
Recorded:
10.19
